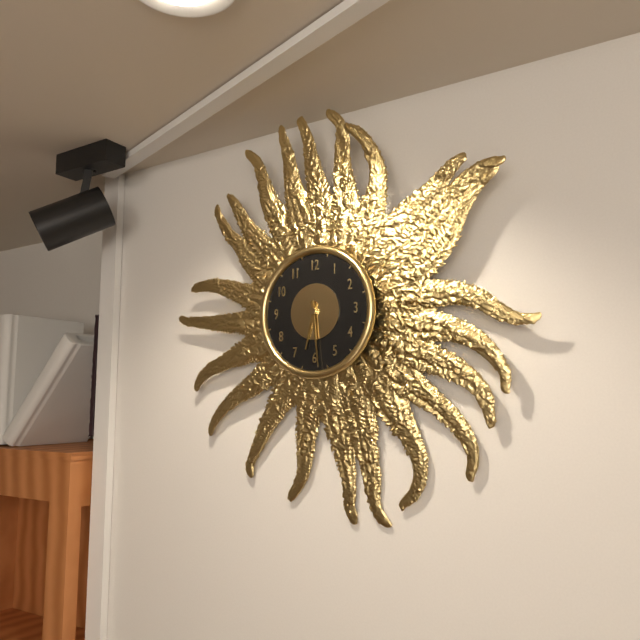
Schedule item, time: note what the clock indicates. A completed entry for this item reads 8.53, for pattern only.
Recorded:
6.29
